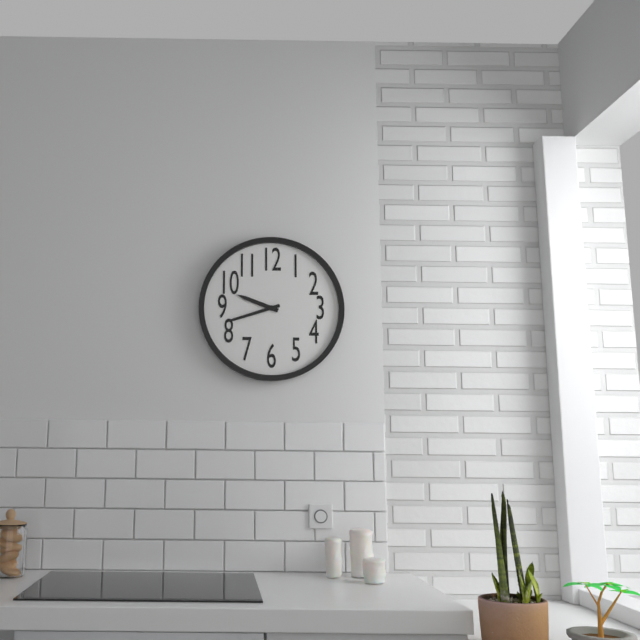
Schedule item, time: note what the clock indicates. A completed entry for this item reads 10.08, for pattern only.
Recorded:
9.42
